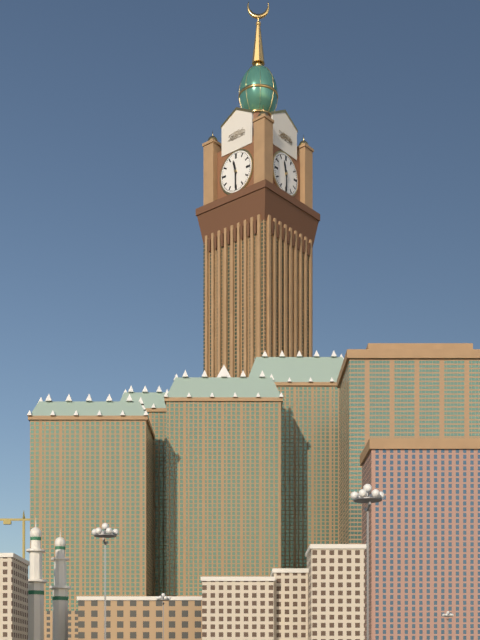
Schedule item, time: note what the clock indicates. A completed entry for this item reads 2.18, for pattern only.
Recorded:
11.30
